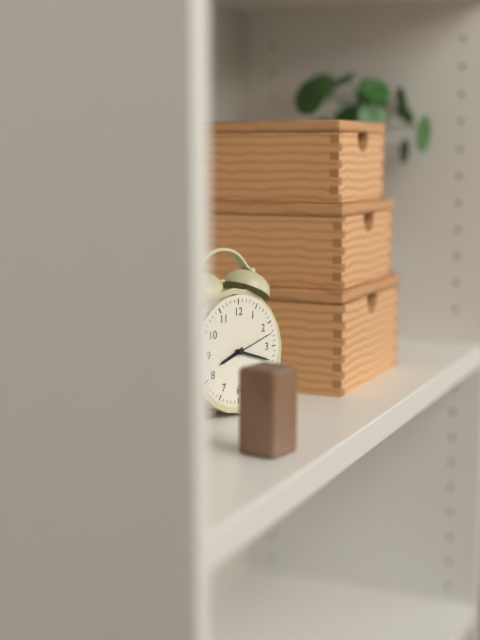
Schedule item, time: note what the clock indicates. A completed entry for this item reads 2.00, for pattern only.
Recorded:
8.18
